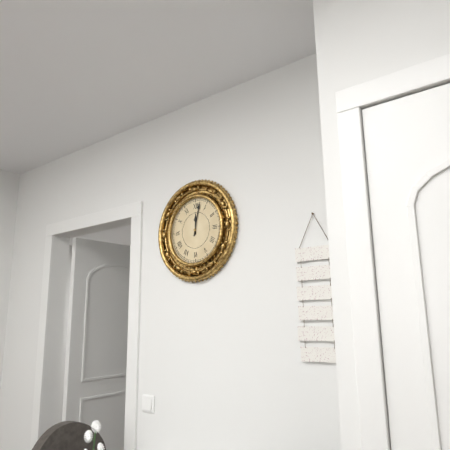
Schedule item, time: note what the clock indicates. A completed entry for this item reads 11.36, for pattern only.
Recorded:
12.02
